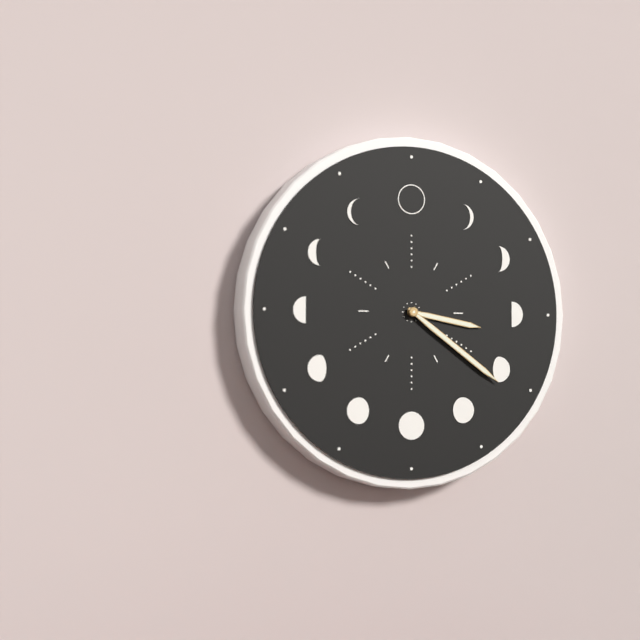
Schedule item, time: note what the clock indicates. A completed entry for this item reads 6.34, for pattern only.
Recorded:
3.21
